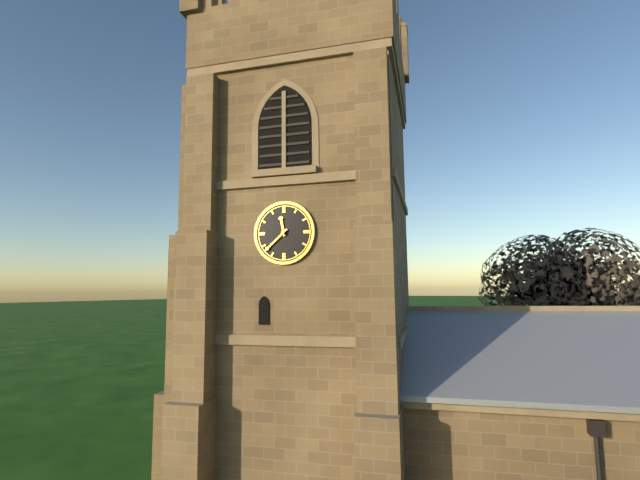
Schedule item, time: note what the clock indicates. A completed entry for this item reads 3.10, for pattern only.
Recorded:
11.38
